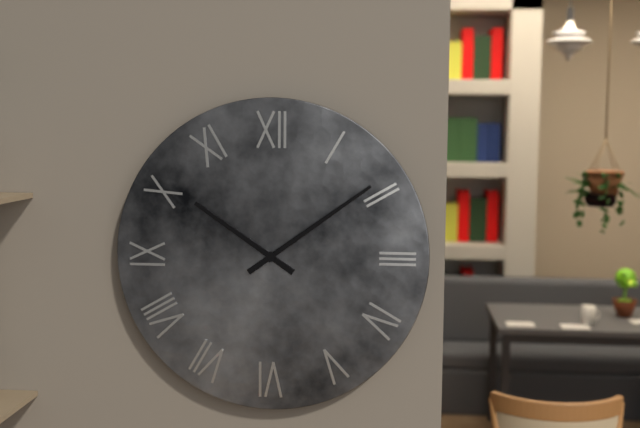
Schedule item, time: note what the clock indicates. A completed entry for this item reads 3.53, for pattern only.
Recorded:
10.09
